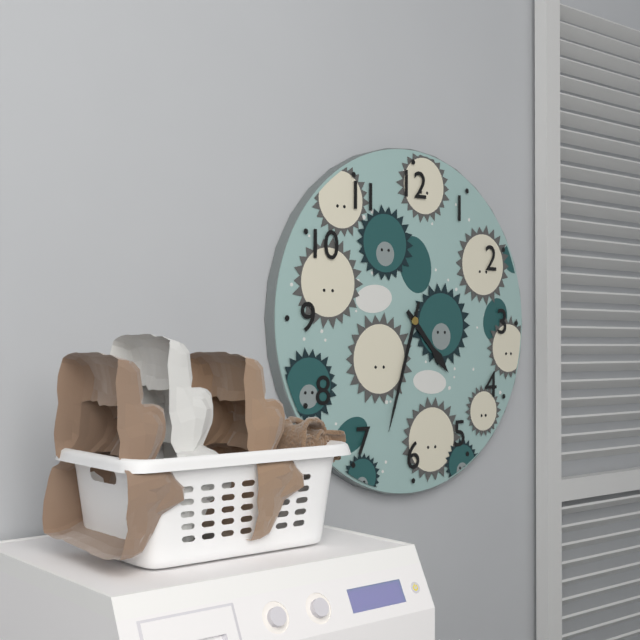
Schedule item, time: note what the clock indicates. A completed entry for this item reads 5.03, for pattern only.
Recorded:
4.33
